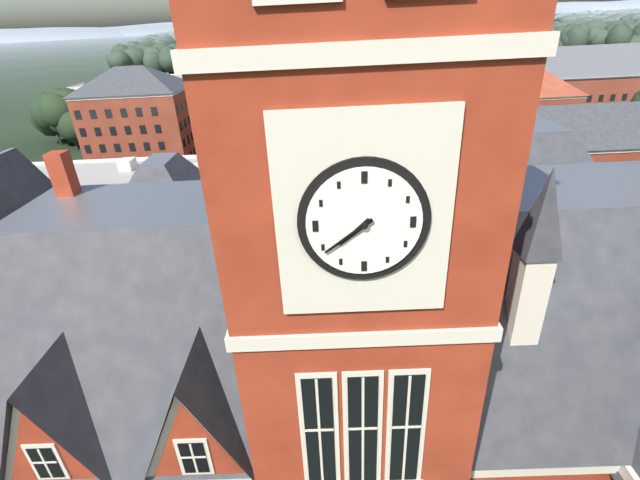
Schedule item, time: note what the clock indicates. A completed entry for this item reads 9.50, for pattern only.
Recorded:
7.39
